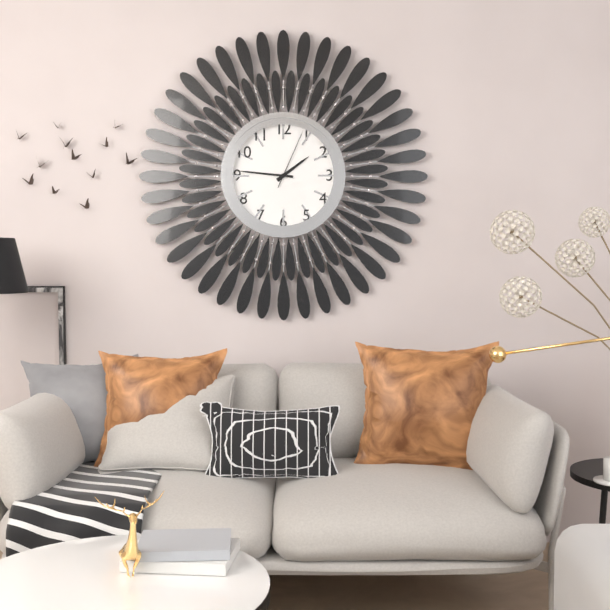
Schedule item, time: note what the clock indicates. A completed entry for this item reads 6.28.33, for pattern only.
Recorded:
1.46.04
